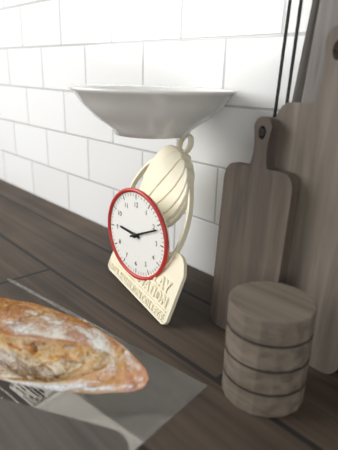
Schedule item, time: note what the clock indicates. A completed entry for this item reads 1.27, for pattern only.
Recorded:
9.11
